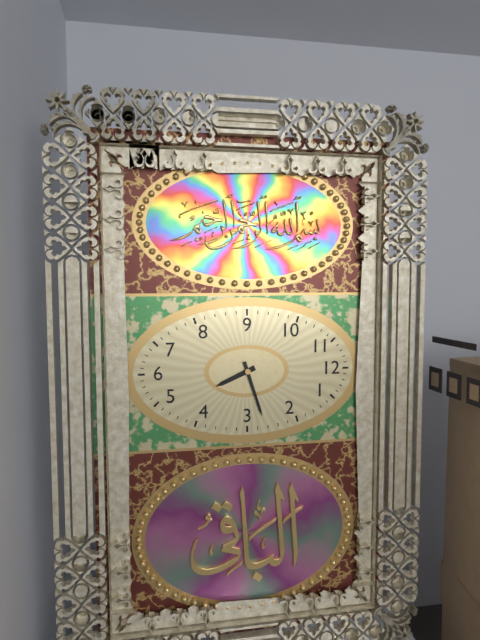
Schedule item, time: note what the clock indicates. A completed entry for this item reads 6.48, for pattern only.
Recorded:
5.12
